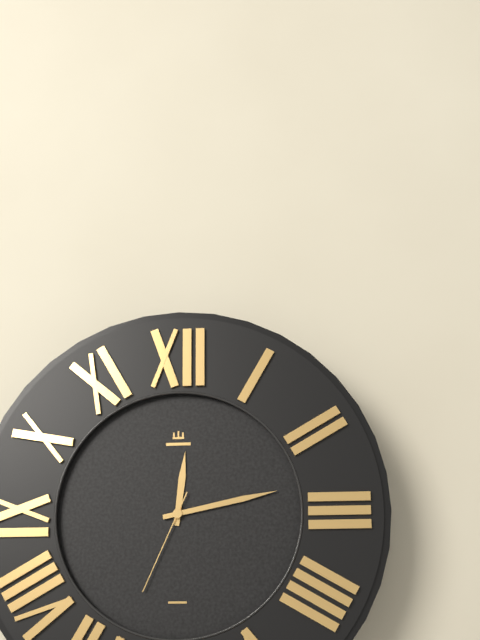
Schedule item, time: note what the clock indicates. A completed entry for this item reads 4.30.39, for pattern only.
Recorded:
12.13.34
